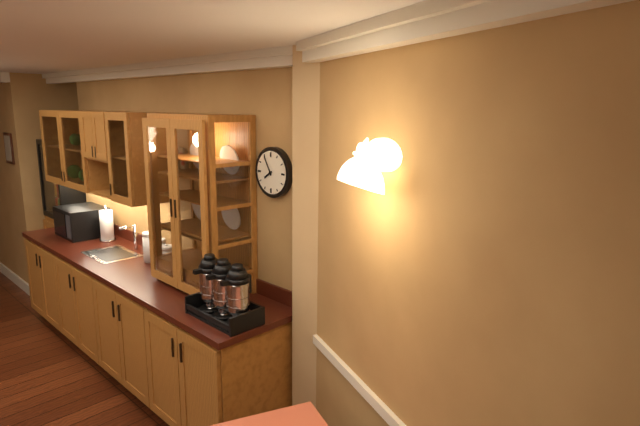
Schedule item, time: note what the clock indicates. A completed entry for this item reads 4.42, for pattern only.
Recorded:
7.55
